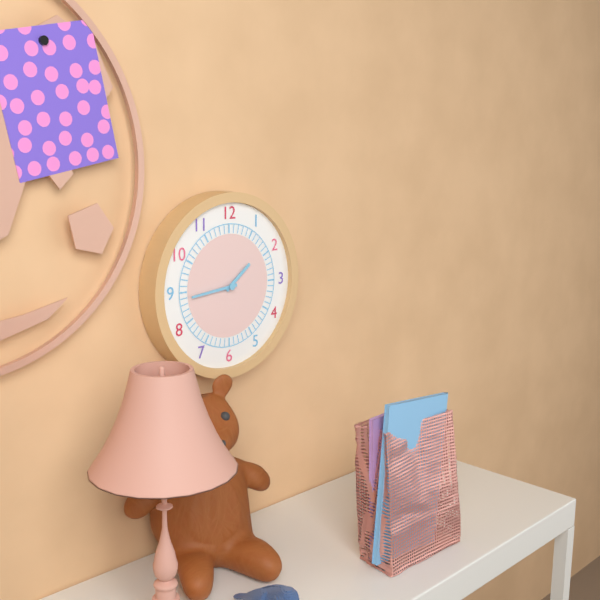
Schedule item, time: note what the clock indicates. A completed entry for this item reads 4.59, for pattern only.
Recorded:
1.44
